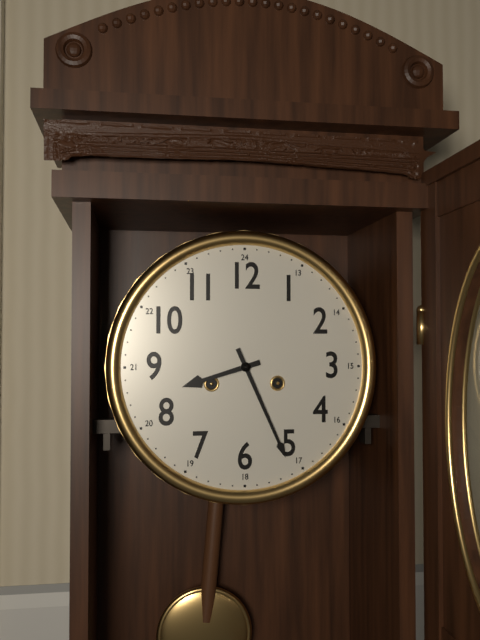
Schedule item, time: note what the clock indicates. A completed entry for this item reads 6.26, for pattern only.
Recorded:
8.26
